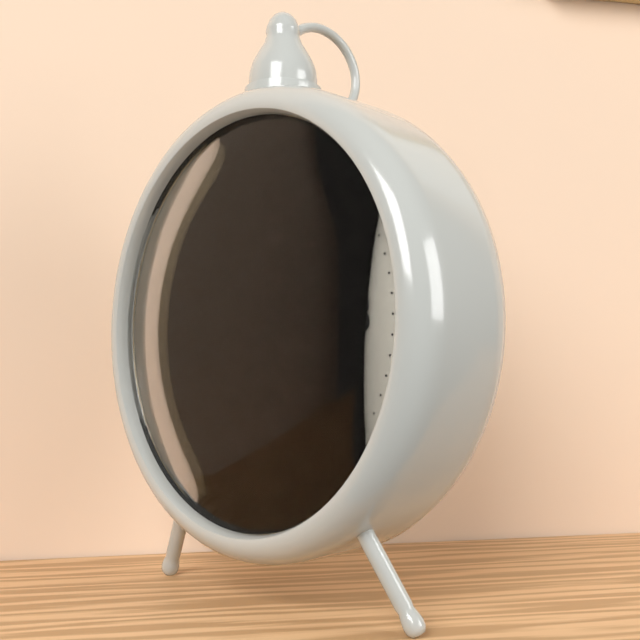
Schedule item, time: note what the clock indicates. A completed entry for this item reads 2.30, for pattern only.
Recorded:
7.35
